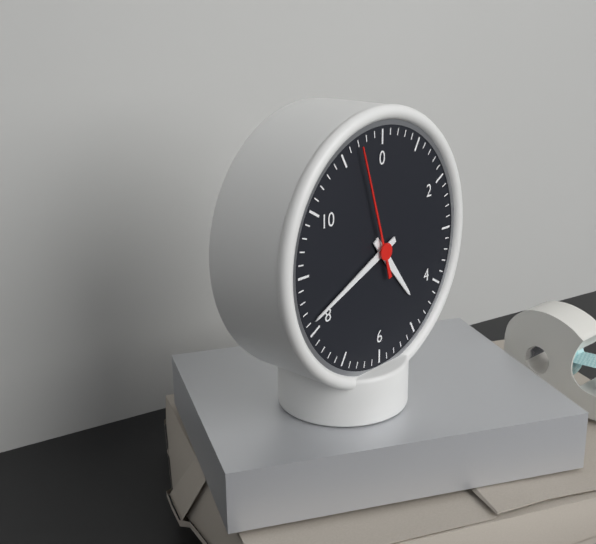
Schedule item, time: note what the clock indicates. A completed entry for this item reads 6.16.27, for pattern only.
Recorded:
4.41.57
